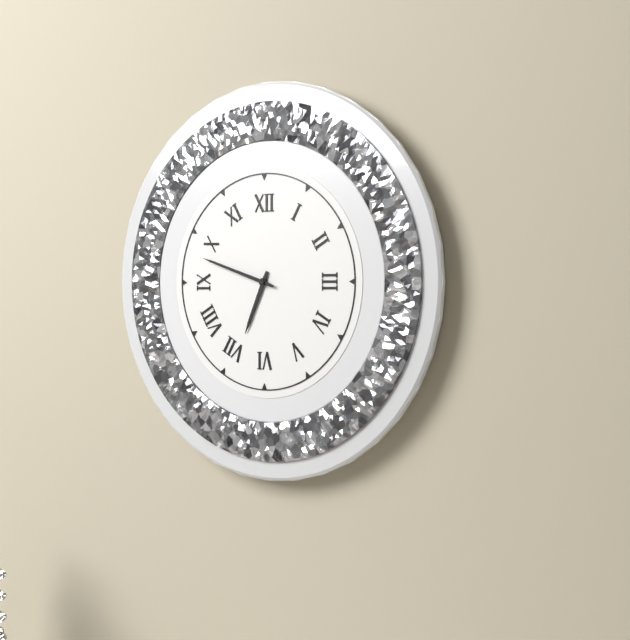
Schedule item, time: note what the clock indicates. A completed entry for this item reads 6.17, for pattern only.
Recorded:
6.48
